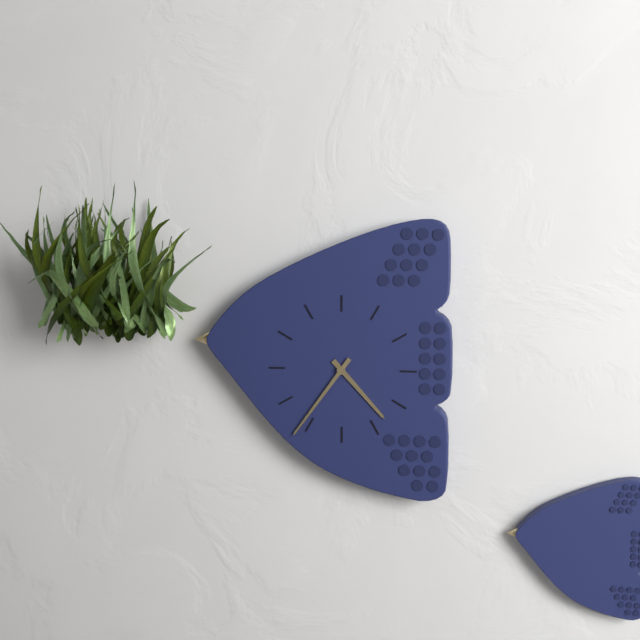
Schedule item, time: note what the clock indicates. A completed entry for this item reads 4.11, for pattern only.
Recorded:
4.36
